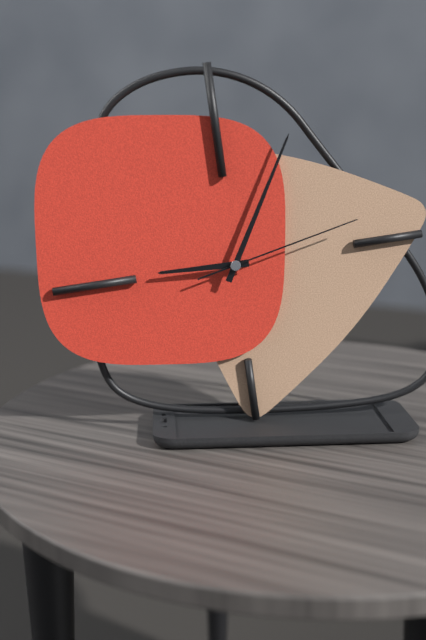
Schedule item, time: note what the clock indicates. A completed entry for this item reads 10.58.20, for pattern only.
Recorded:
9.05.13
